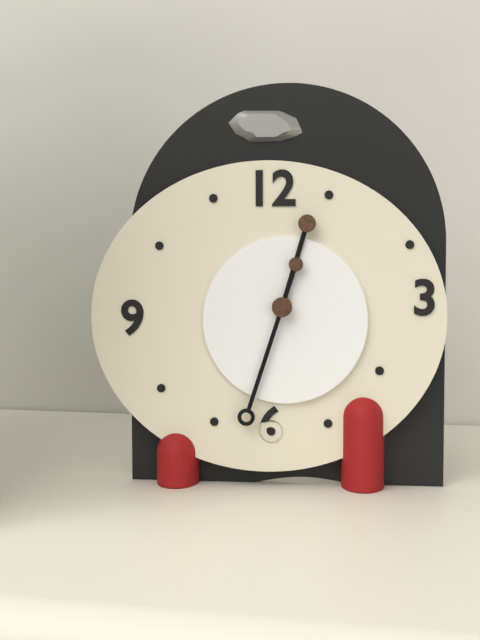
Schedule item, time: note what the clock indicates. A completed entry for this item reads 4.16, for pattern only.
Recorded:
12.33
